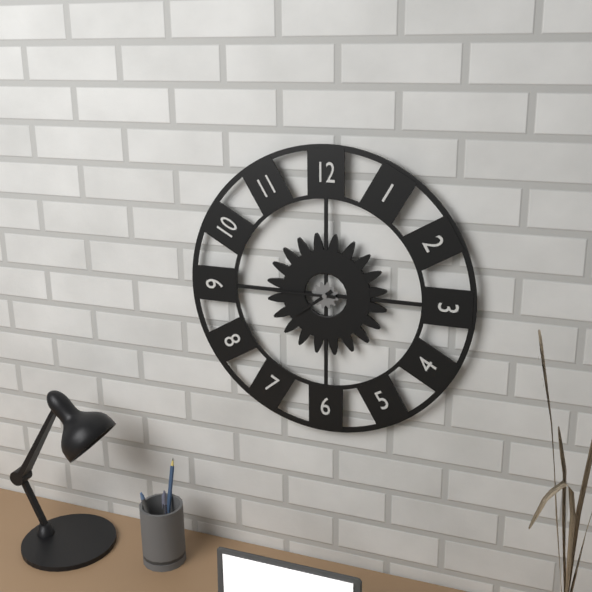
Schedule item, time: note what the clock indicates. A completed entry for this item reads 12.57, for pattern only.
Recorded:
7.45
